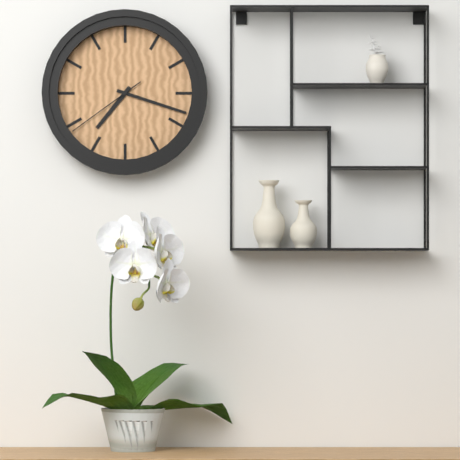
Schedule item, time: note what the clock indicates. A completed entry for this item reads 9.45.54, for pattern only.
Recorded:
7.18.39
